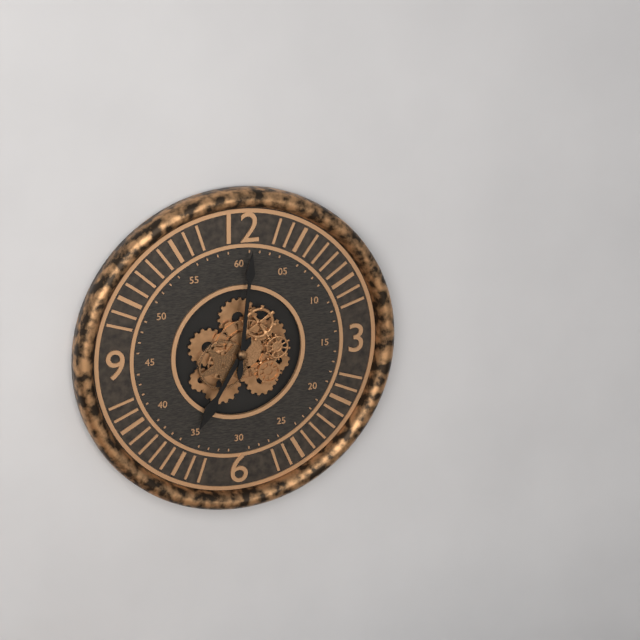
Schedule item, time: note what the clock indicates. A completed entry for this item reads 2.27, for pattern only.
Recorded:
7.01
